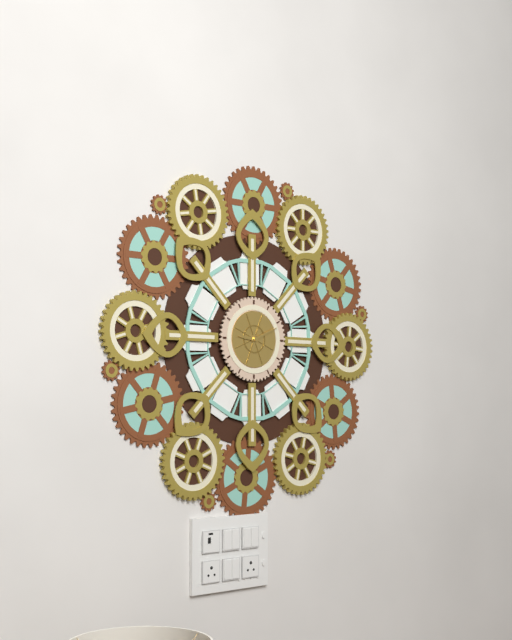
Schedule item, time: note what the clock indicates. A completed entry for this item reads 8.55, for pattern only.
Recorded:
9.11
